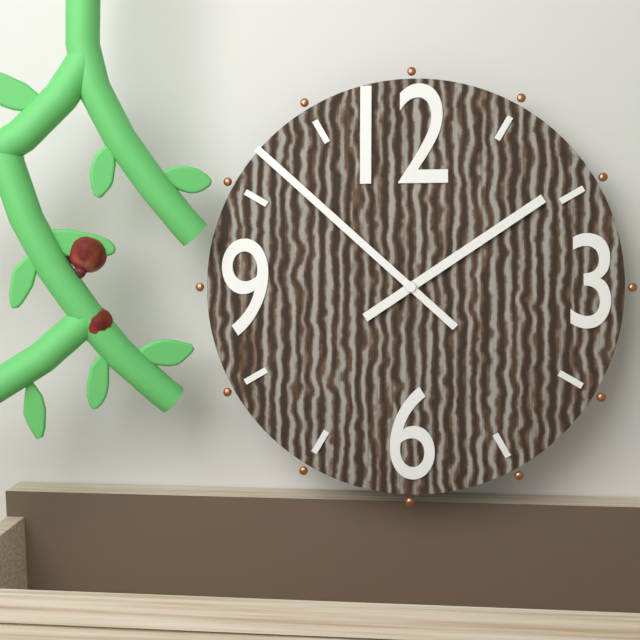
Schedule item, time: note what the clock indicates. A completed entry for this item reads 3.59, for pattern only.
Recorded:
1.52
